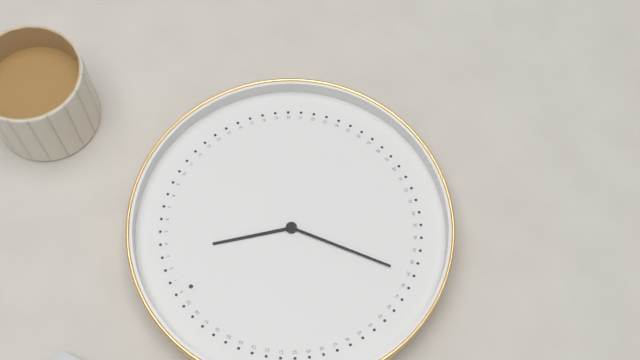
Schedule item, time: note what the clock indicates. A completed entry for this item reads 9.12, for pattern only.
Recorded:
12.39
